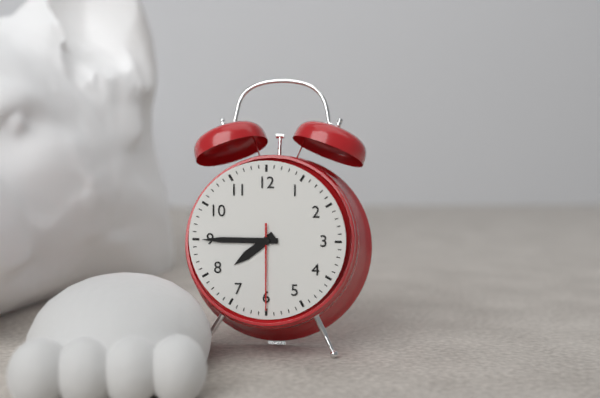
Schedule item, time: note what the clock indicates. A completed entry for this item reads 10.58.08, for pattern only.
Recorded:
7.45.30
